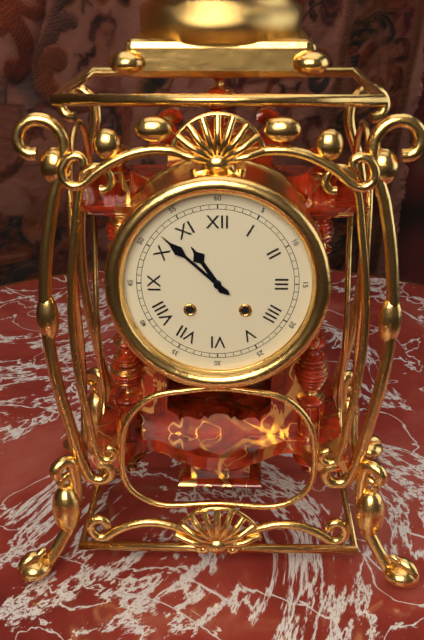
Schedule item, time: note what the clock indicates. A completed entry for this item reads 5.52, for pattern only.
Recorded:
10.52
